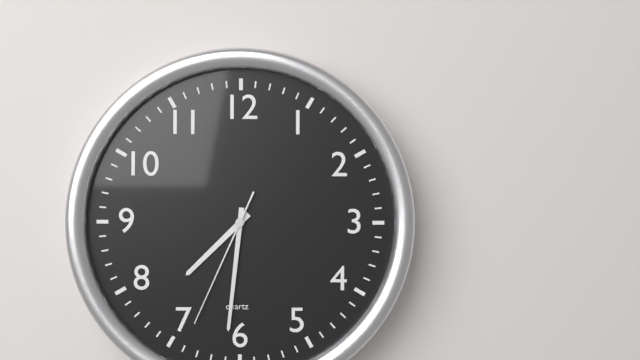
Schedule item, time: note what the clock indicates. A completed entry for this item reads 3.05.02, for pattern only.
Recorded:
7.31.34
